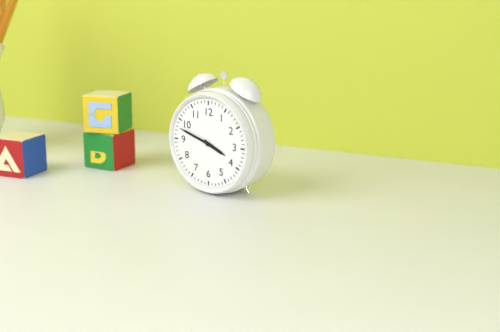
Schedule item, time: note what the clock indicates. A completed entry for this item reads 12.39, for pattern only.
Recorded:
3.48
